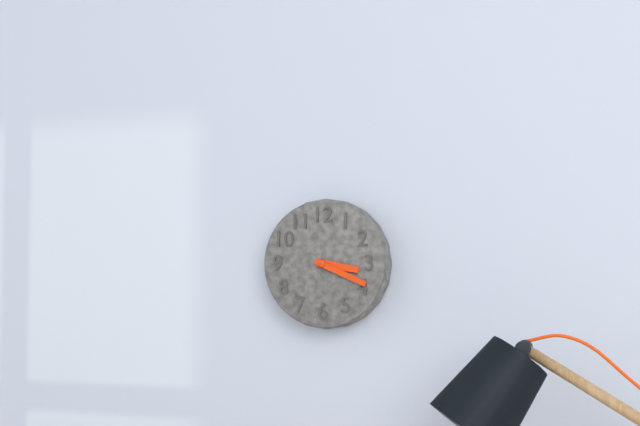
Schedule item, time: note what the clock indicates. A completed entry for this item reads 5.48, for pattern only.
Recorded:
3.19
